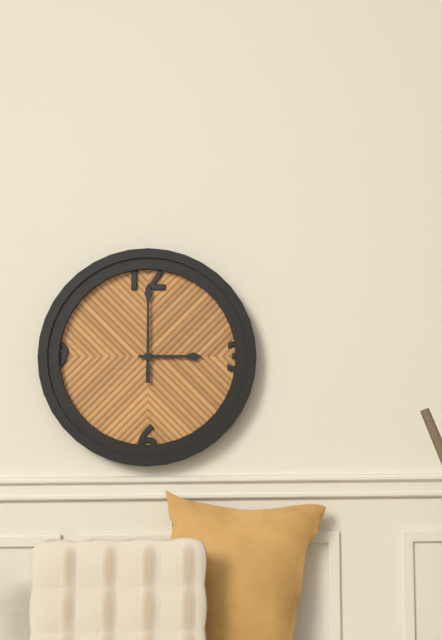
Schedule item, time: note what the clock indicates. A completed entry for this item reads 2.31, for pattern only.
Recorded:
3.00
